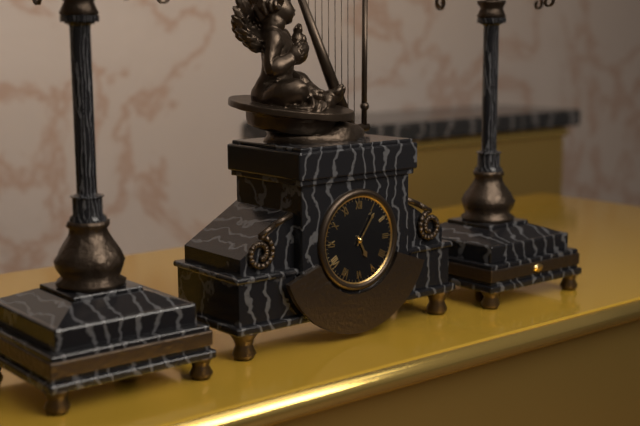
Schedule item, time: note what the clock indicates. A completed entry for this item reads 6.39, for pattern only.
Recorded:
5.06
